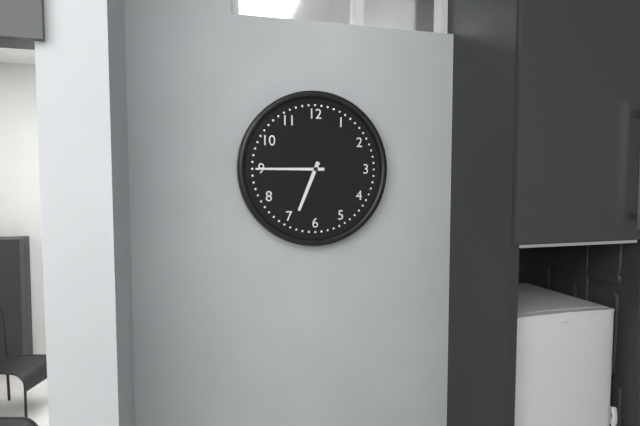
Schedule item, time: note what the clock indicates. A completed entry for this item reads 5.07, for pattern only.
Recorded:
6.45
